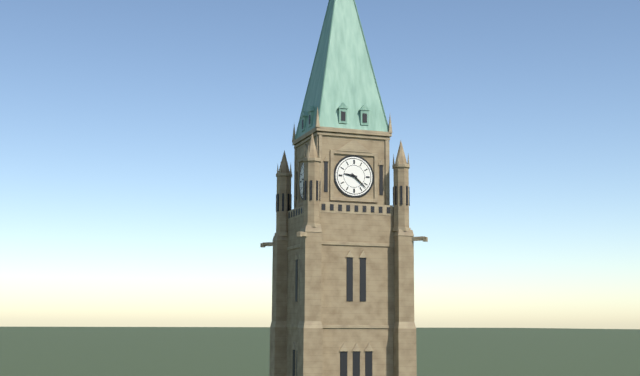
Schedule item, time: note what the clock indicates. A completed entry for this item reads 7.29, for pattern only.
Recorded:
9.22
